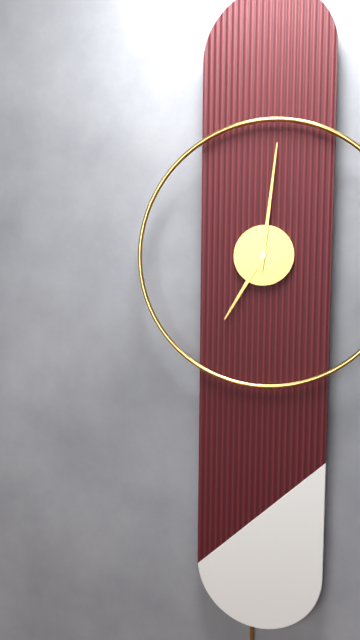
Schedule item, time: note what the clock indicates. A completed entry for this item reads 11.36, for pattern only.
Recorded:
7.01
